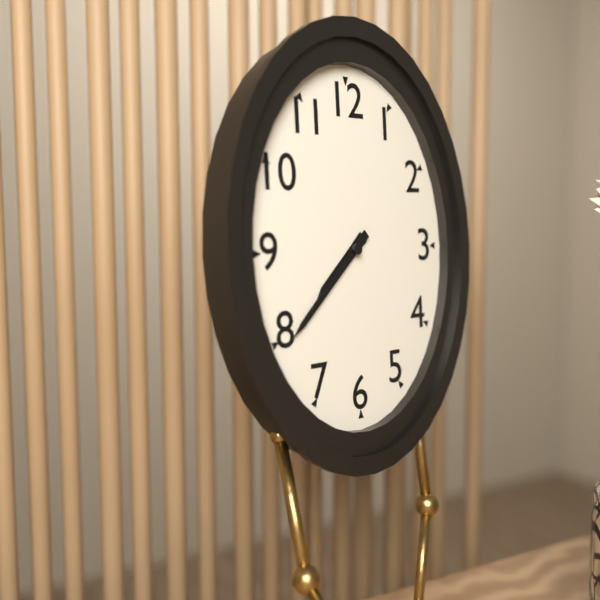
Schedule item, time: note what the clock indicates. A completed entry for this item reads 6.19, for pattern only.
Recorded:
7.38
